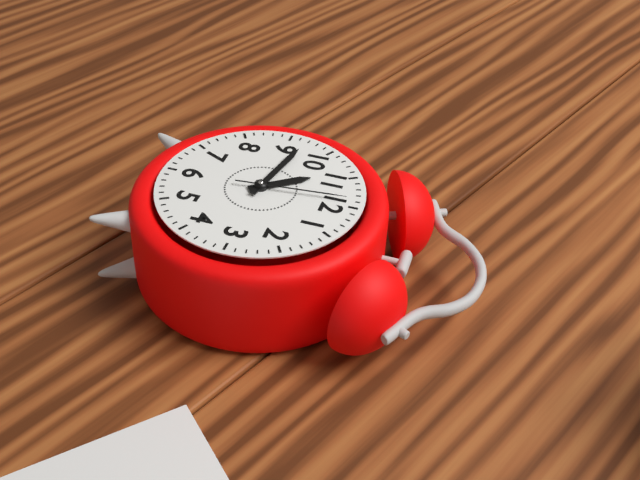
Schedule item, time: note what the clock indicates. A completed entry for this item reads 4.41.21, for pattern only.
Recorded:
10.47.59
